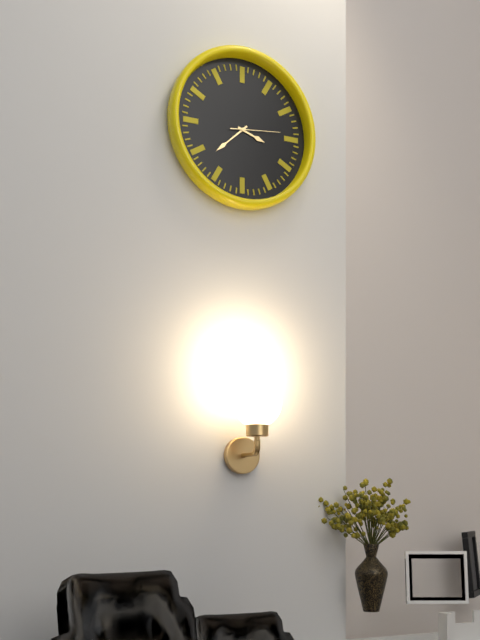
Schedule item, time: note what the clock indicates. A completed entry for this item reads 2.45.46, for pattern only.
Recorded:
3.38.14
